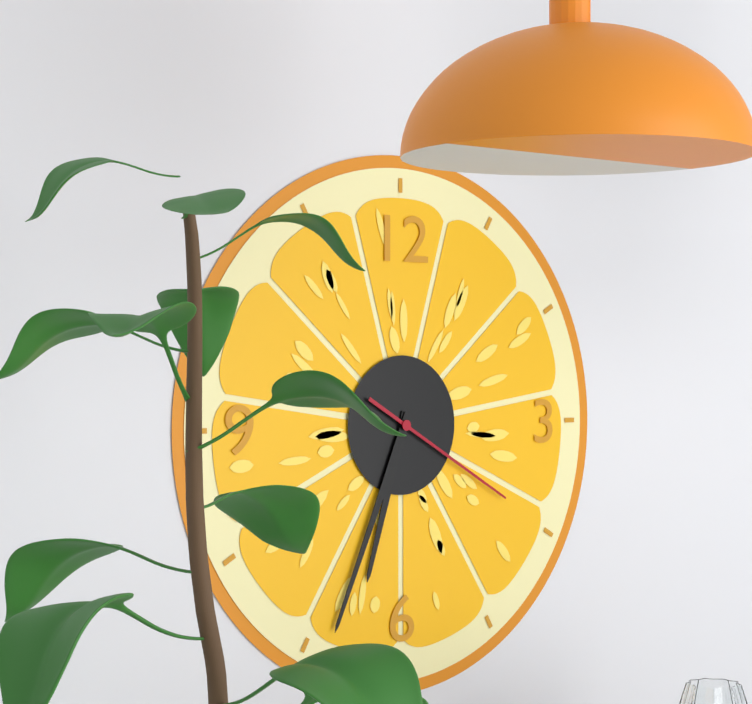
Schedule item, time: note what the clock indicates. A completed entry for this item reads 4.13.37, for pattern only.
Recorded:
6.34.20
